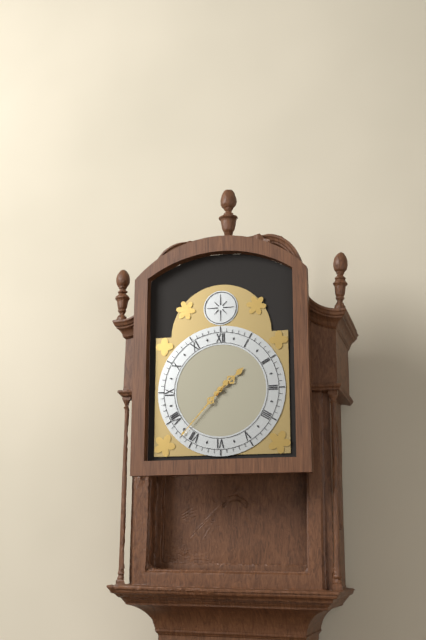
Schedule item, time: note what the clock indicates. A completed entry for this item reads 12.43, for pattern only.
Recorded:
1.37
